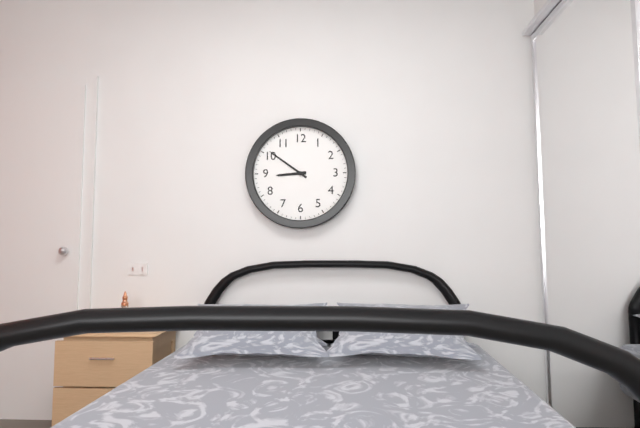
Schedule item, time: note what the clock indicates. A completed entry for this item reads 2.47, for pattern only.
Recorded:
8.51
